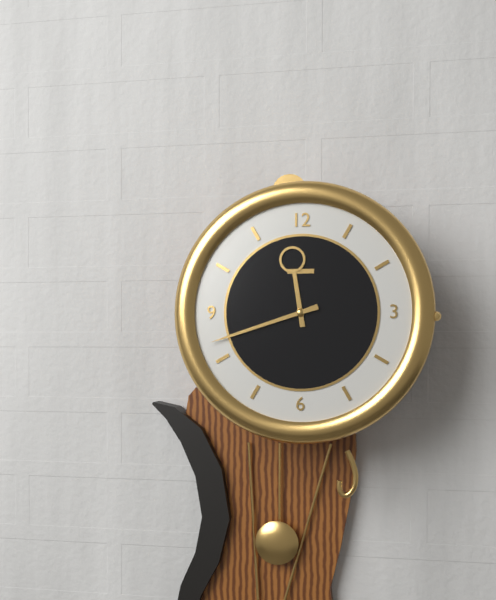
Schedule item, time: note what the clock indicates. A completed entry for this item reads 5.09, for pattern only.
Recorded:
11.42
